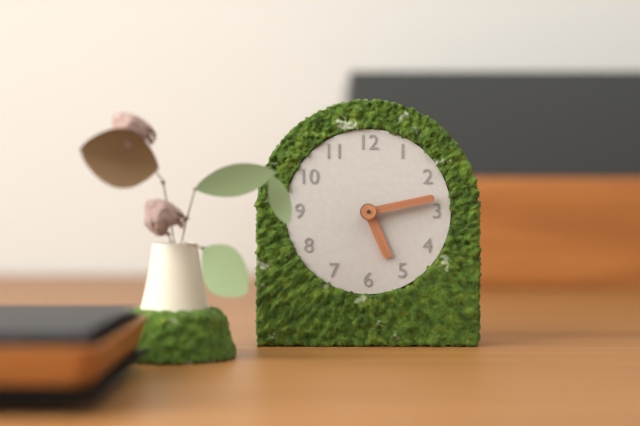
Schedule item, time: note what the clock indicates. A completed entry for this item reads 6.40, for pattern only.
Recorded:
5.13
